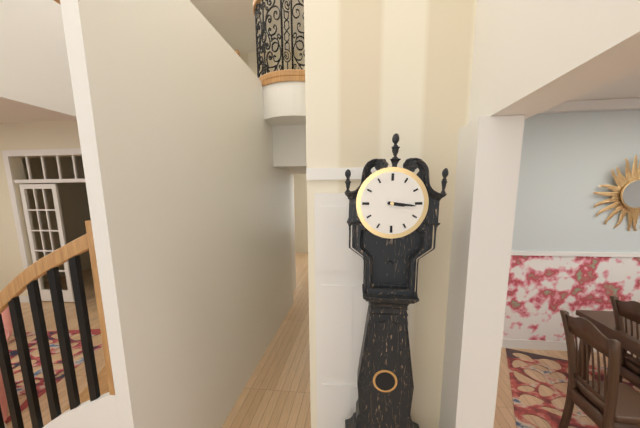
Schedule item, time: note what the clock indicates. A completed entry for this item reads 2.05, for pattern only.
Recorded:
3.16
